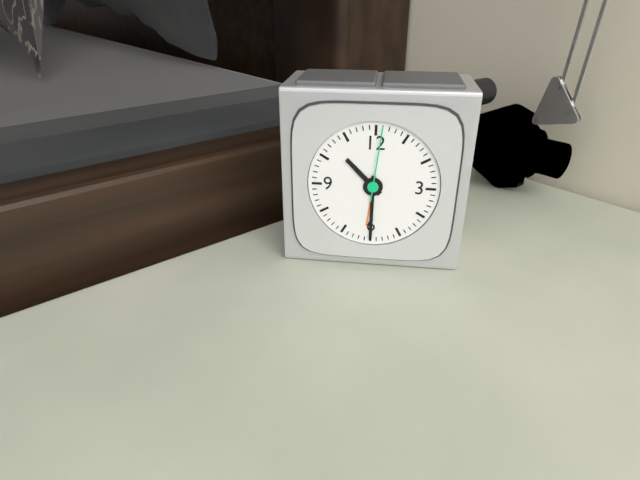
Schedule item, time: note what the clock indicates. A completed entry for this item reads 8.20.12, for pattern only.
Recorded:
10.30.01
